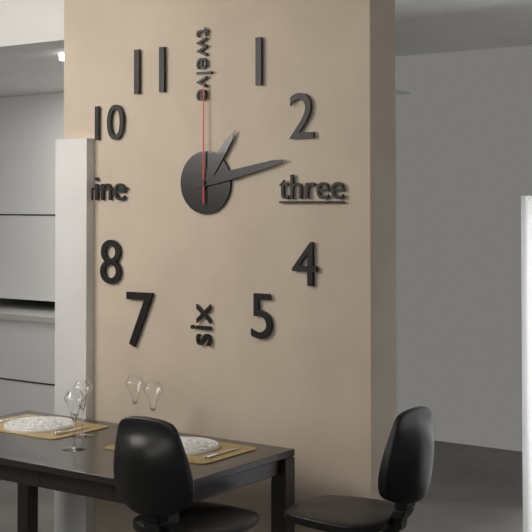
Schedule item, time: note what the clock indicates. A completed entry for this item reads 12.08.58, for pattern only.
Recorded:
1.13.00
